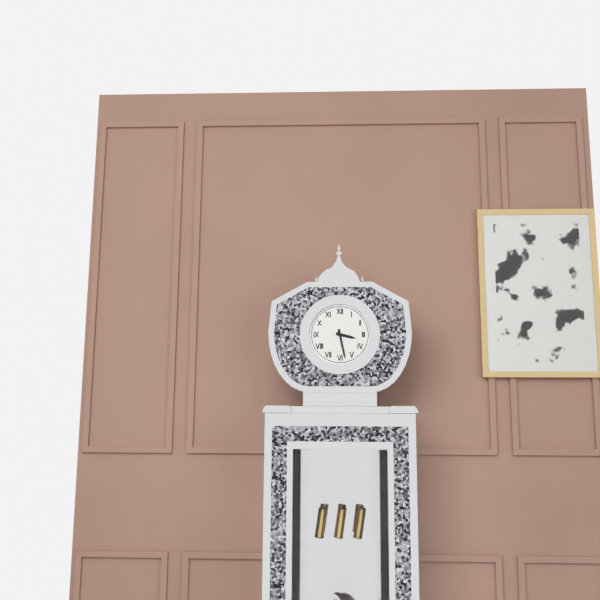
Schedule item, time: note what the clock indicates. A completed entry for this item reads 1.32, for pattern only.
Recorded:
3.28
